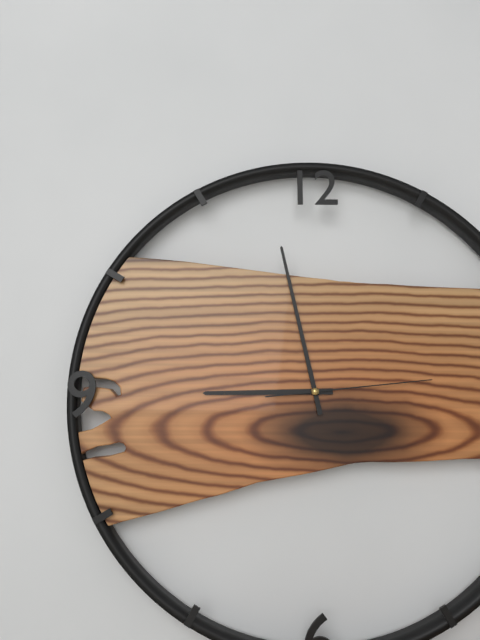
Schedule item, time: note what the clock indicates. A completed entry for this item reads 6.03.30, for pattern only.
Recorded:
8.58.14
